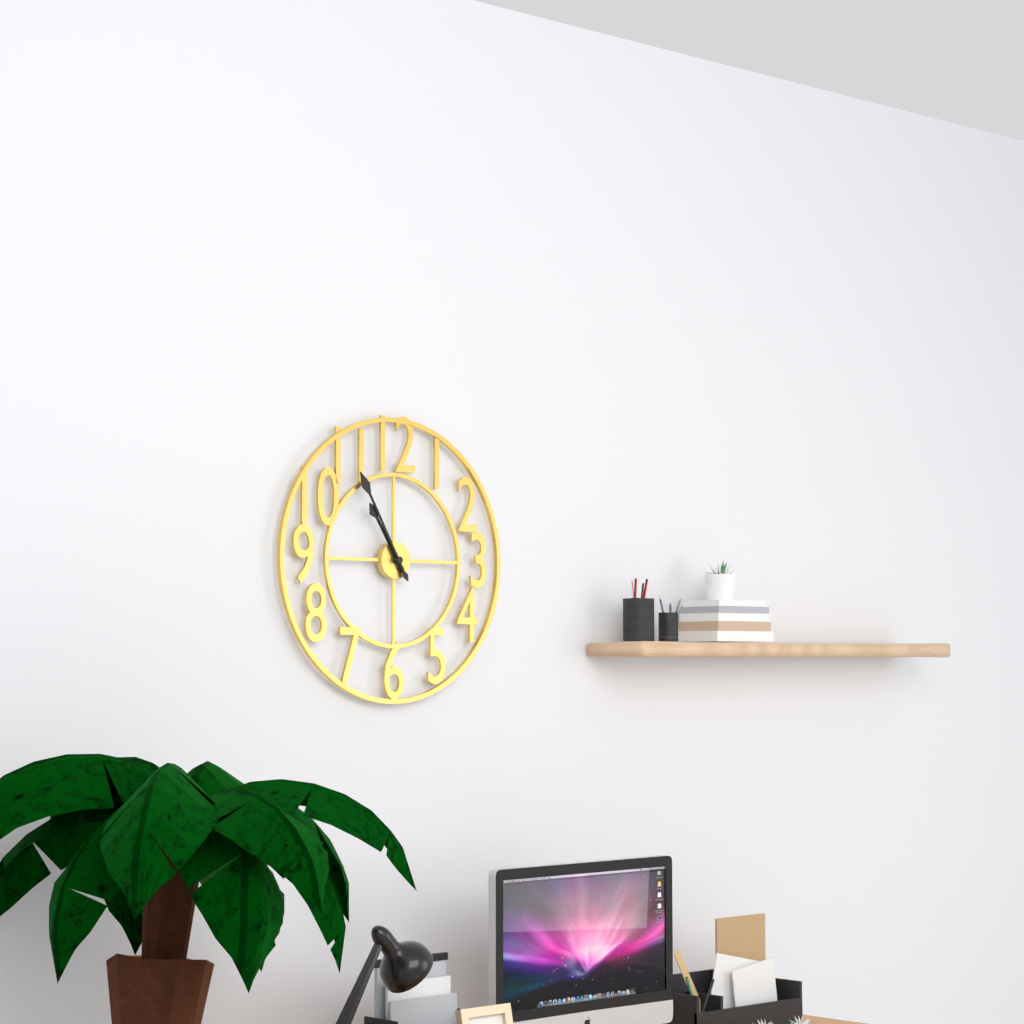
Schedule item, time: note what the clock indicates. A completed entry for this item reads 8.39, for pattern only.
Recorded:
10.55
